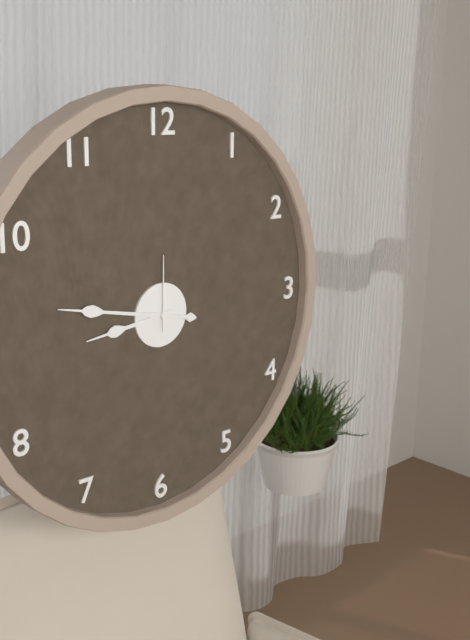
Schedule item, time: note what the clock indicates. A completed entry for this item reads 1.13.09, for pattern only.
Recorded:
8.47.00
